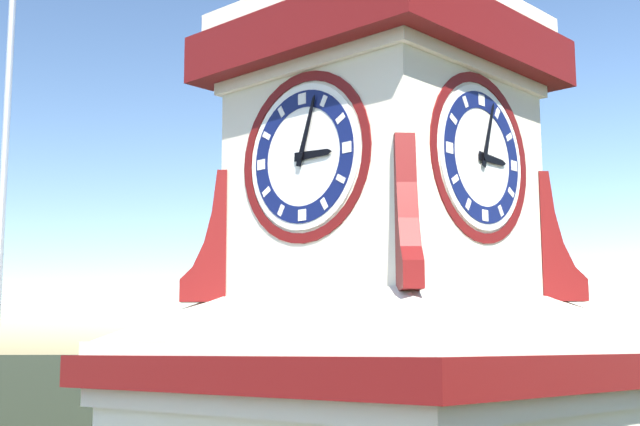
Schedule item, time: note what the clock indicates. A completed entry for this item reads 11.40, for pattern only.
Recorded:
3.03
